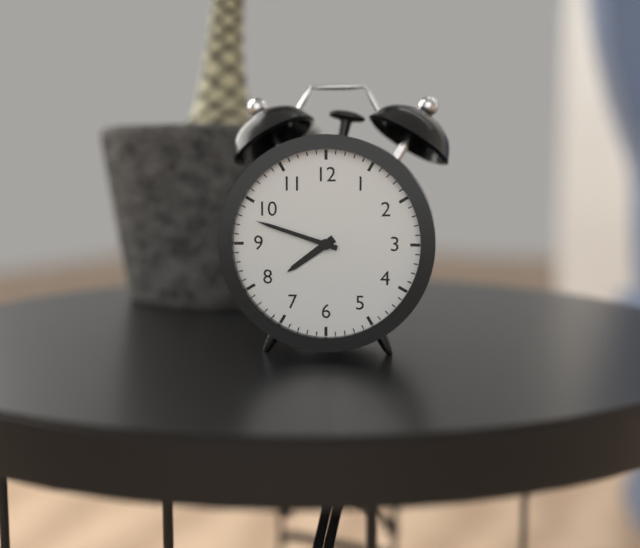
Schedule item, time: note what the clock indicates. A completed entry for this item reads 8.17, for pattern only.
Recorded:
7.48
